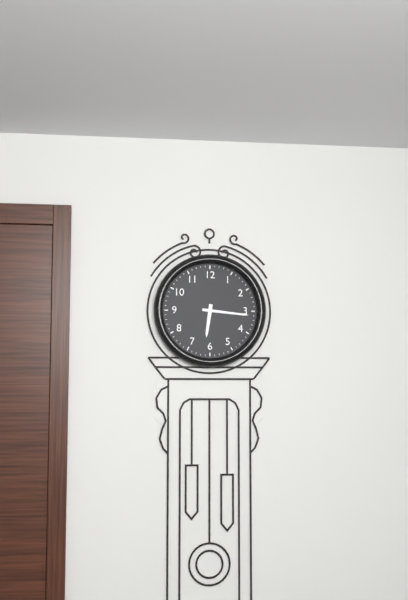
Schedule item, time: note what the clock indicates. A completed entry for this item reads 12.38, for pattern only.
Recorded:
6.16
